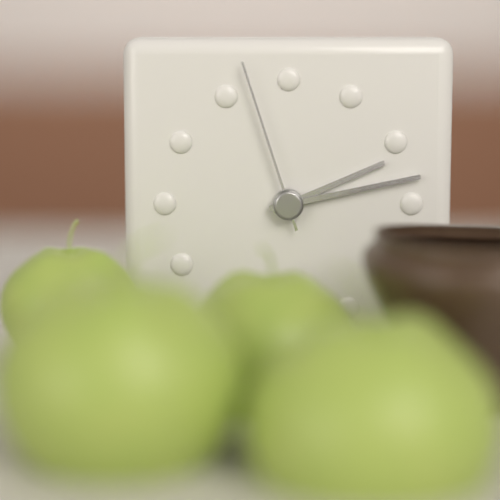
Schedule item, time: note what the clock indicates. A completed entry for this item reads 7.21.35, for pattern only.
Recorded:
2.13.57
